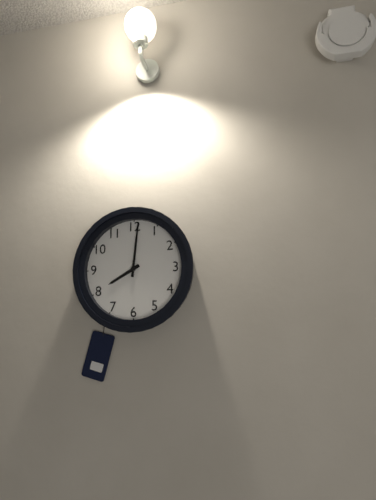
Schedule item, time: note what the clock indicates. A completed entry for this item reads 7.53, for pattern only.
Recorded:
8.01
